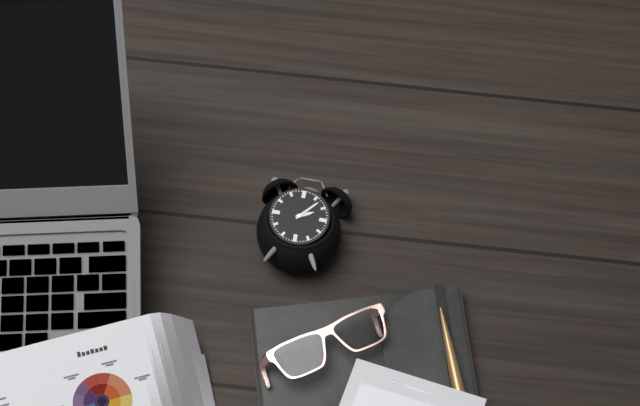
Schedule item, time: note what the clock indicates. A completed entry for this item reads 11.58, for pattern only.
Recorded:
2.07
